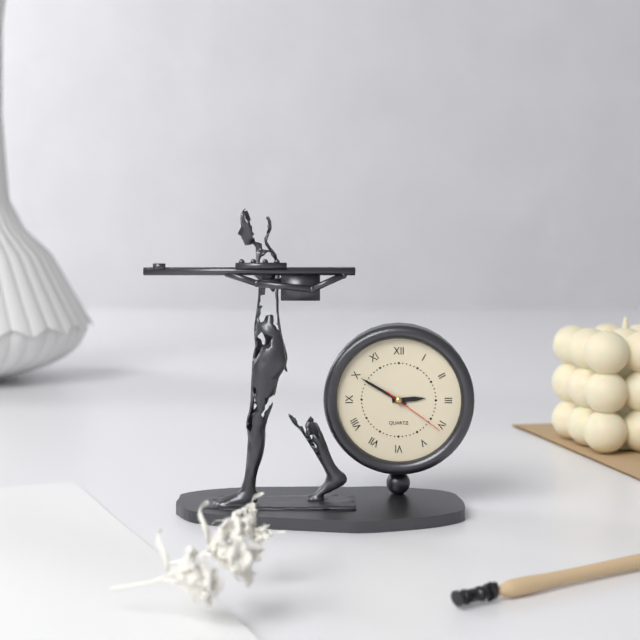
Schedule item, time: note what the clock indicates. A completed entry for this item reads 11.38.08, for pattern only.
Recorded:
2.50.21
